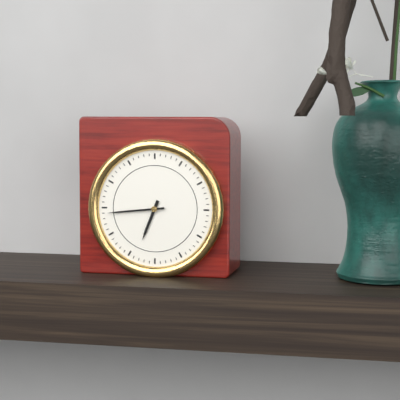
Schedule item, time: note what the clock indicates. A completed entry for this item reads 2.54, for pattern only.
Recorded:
6.44
